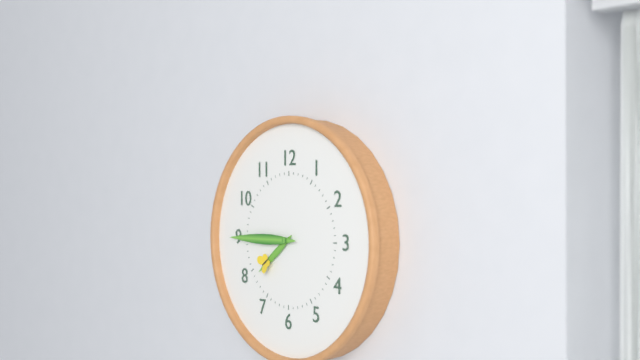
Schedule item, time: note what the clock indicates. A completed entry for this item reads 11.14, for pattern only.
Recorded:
7.45
